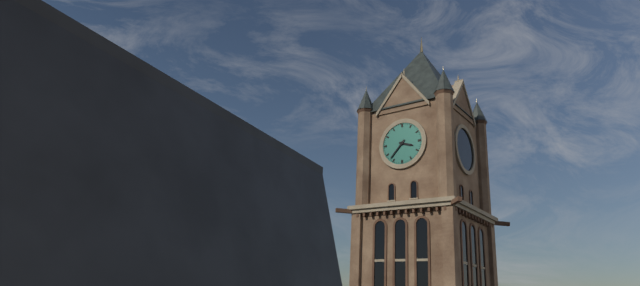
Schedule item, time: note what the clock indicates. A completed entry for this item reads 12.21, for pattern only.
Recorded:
3.37
